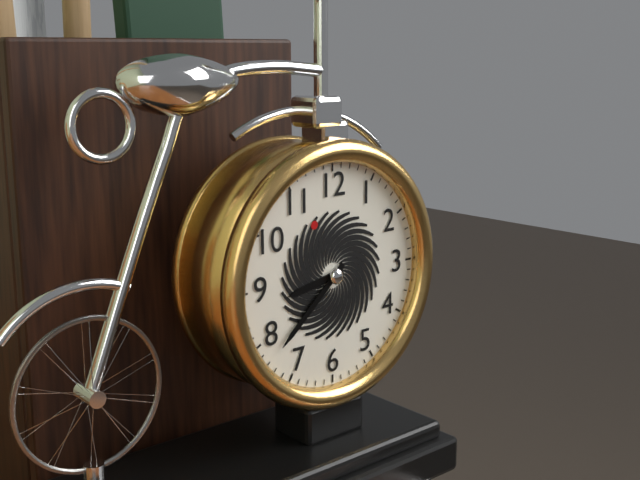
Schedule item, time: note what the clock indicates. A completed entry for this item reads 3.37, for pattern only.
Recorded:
8.38
